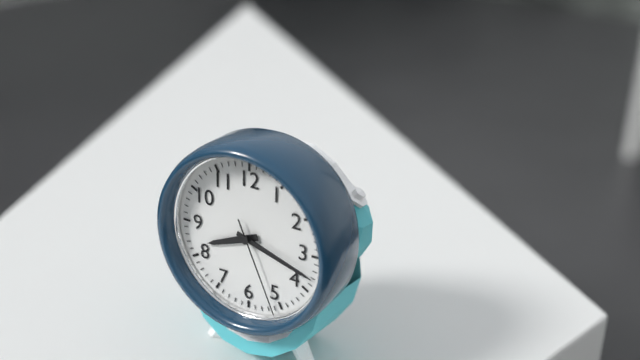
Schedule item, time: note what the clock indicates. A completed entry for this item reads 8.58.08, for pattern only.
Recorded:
8.18.26
